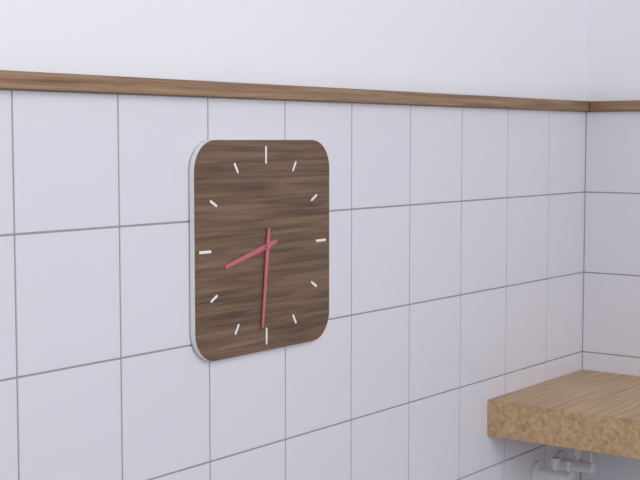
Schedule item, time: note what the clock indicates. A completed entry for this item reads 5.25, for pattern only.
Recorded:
8.31
